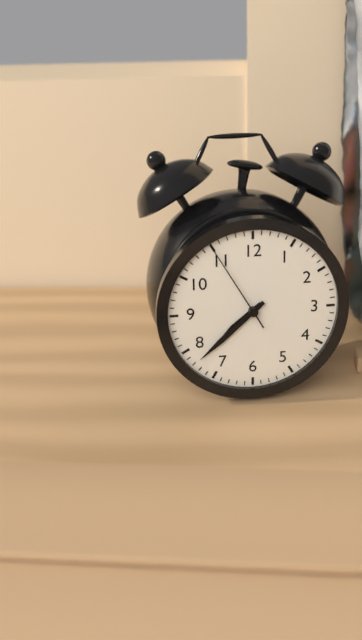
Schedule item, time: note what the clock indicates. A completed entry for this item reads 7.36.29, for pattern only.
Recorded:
7.38.55
